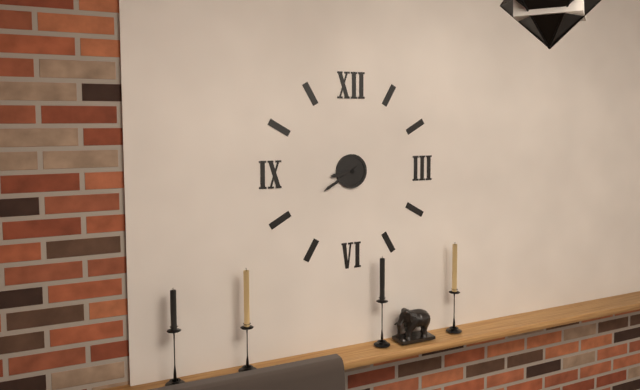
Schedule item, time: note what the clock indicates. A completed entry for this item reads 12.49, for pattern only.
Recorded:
8.40
